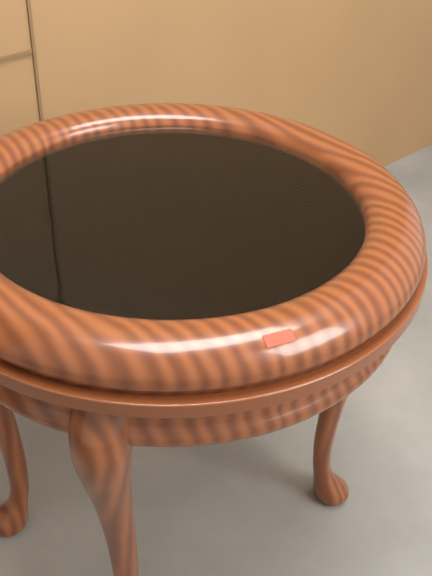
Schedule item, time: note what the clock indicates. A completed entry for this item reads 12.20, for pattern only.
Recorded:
12.33
